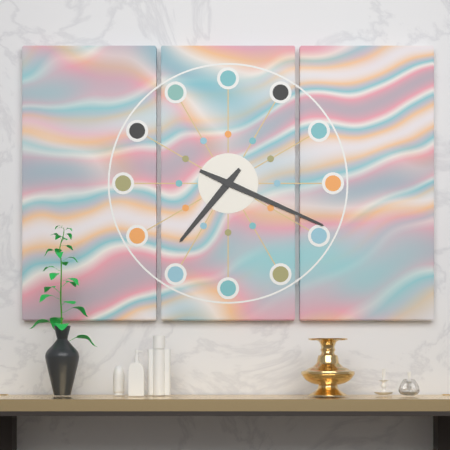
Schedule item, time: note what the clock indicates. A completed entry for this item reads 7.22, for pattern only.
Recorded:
7.19
